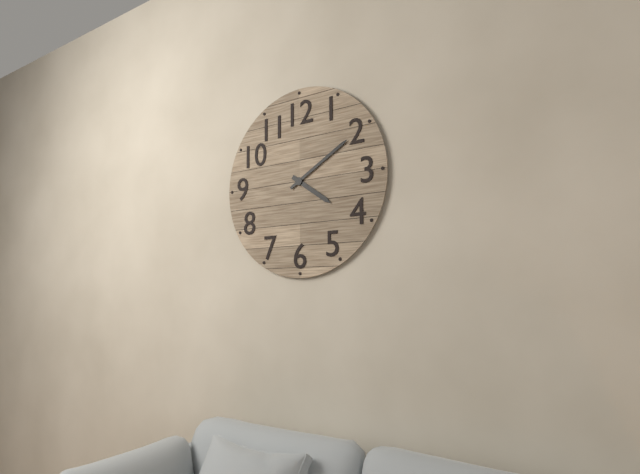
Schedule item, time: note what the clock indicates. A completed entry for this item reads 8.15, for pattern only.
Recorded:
4.10
